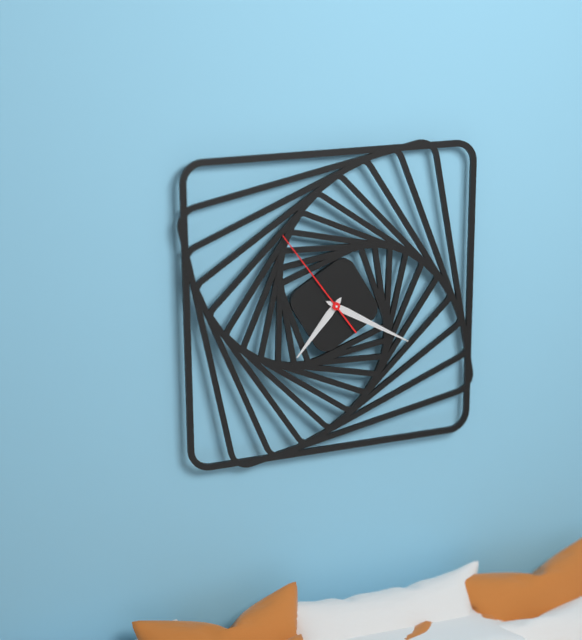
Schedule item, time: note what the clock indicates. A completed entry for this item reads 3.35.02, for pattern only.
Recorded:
7.20.54
